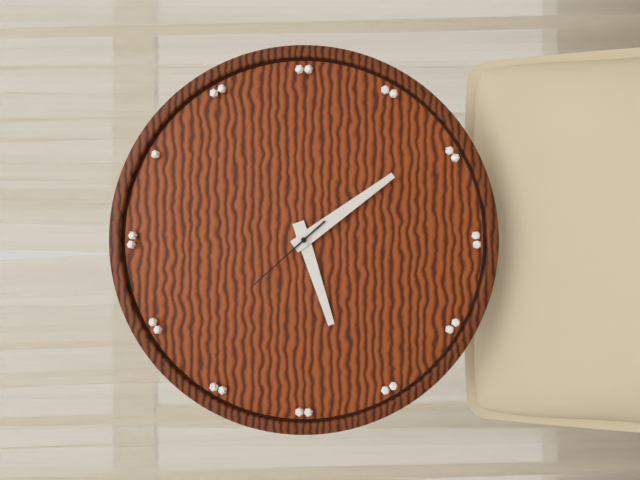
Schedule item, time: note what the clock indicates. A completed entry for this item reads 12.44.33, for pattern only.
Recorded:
8.24.53
